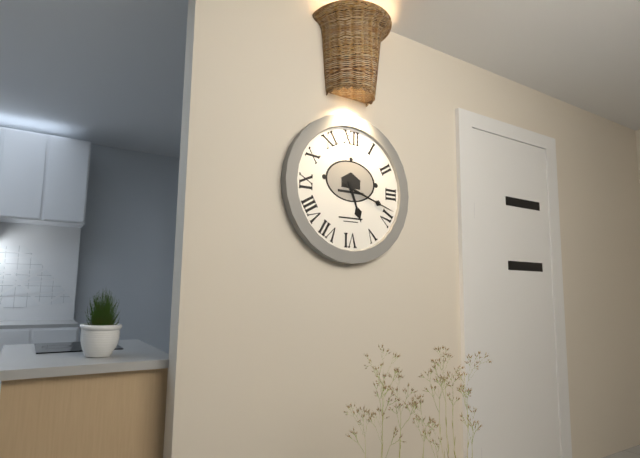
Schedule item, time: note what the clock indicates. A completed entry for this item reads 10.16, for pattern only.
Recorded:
5.18
